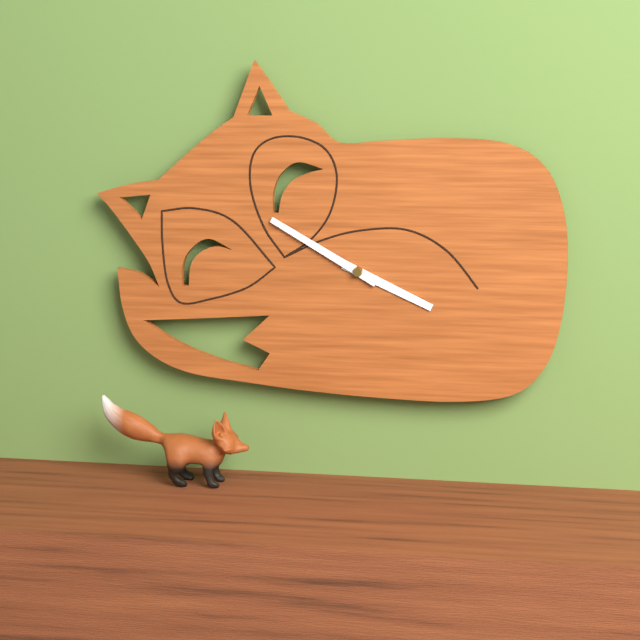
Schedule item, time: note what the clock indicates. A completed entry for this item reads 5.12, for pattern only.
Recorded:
3.50
